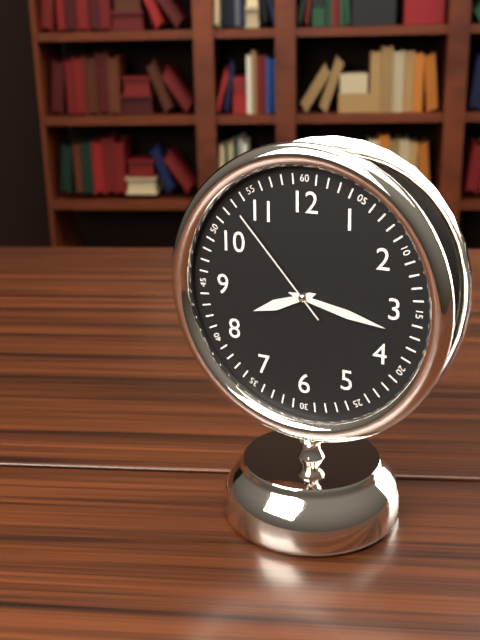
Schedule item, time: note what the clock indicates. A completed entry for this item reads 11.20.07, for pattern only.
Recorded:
8.17.53
